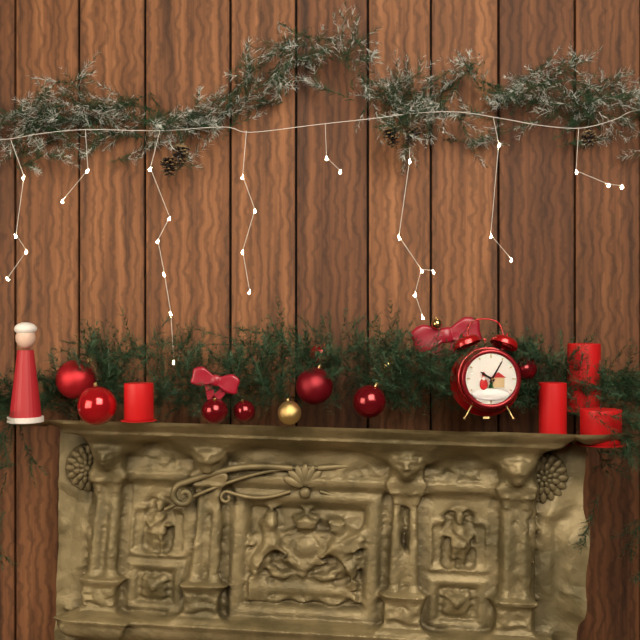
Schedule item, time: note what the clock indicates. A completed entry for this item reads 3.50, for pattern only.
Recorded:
10.05
